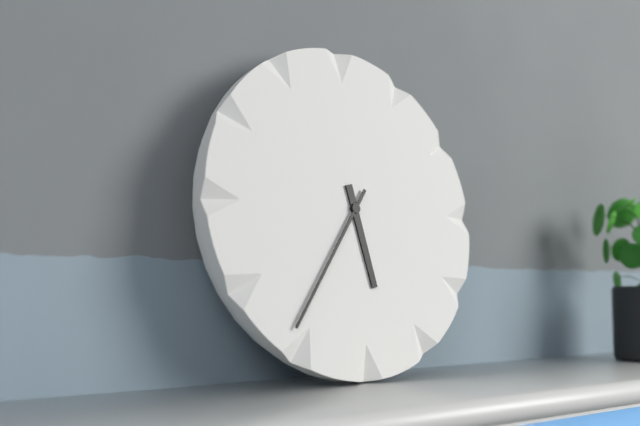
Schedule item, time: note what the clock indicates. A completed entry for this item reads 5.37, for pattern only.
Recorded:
5.36
